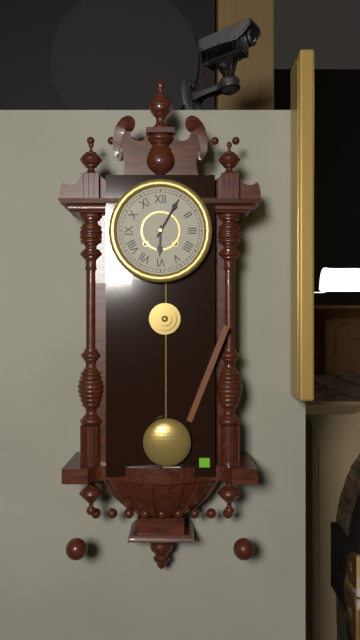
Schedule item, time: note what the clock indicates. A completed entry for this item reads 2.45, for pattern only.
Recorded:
6.05
